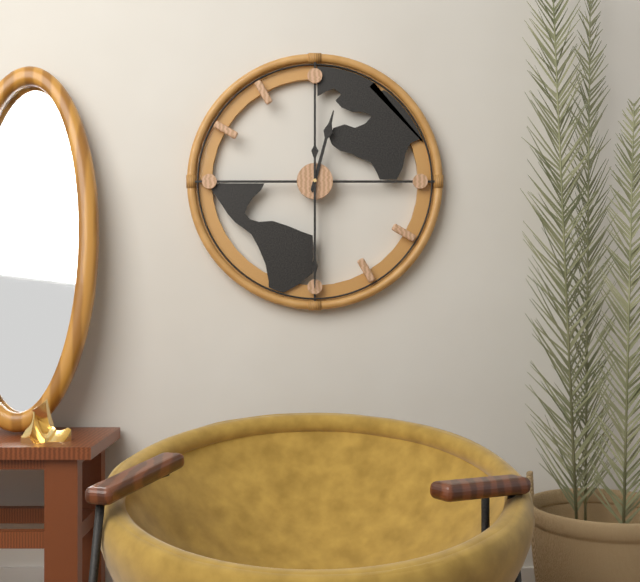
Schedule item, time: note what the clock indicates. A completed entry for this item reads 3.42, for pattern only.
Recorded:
12.30
